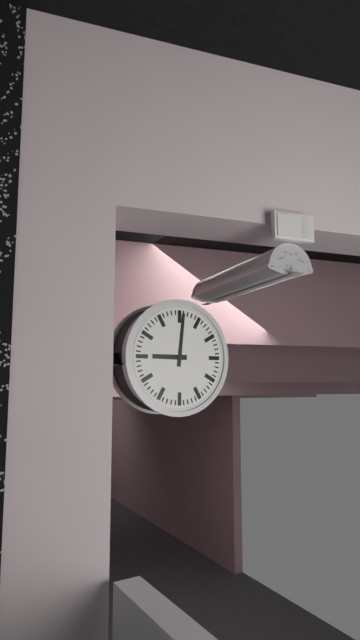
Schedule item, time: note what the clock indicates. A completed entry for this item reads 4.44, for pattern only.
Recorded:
9.01
